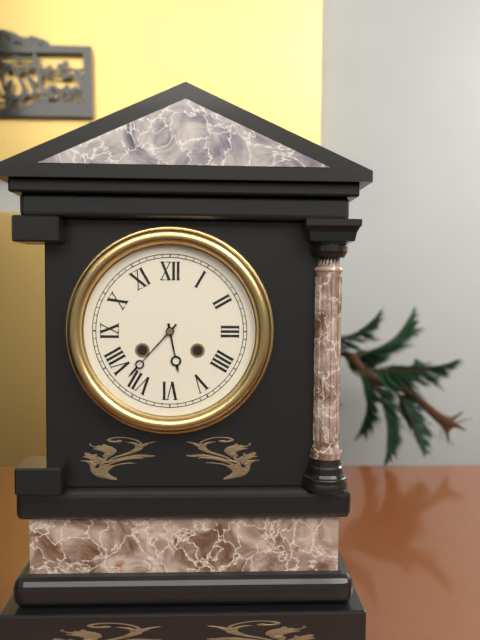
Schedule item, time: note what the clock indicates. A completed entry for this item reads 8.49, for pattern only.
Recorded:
5.37
